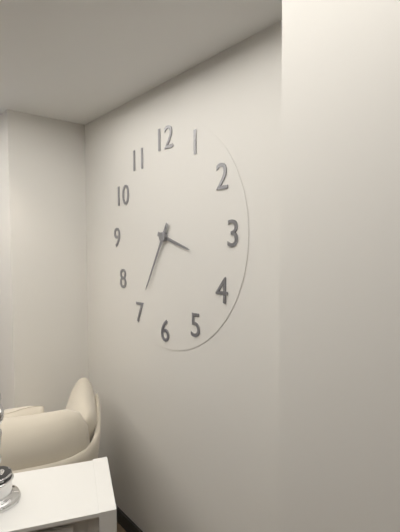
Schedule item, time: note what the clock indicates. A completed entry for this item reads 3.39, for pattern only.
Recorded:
3.35
